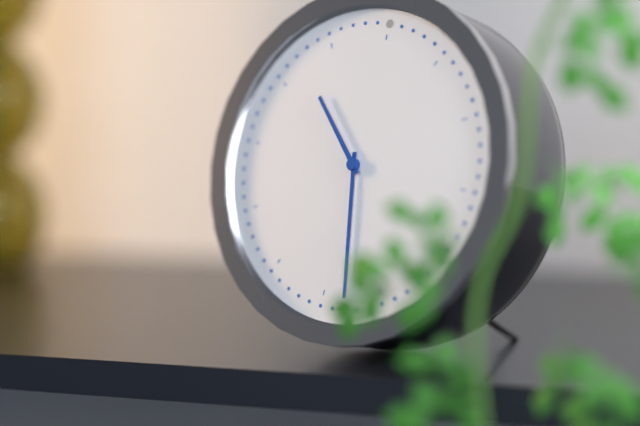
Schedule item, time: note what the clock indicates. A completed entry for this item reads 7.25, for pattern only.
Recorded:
10.28
